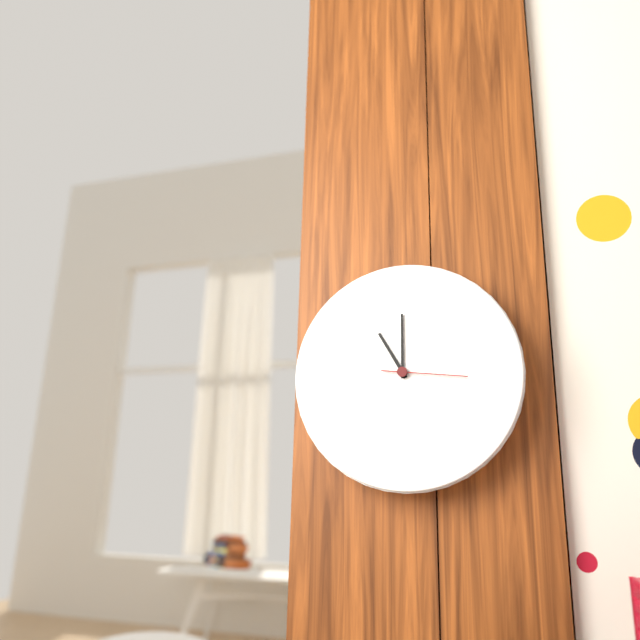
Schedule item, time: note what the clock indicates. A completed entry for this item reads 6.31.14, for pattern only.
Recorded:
11.00.16
